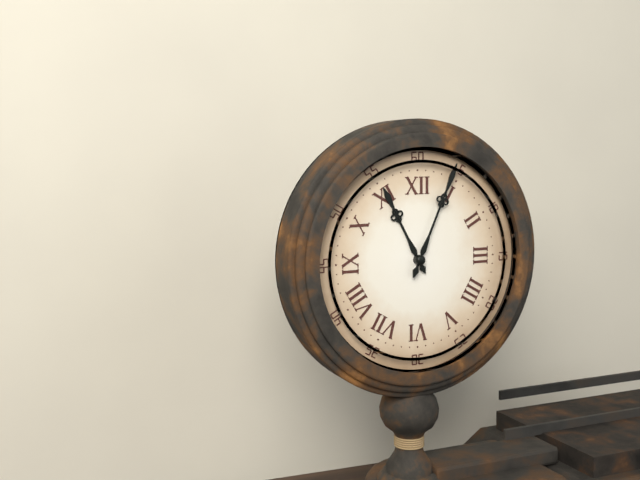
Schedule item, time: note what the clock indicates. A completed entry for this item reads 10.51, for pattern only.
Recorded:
11.04
